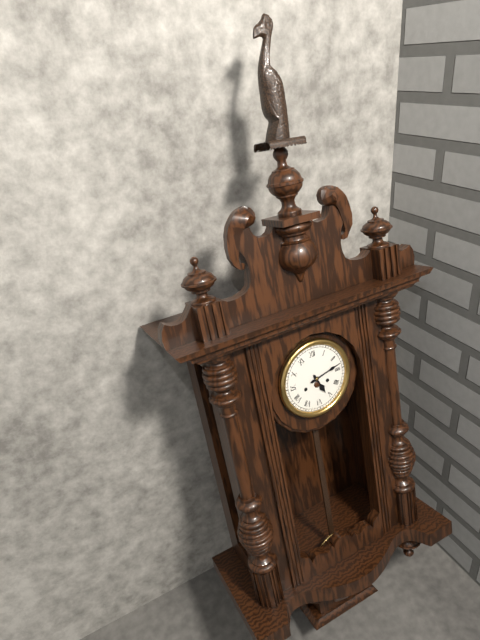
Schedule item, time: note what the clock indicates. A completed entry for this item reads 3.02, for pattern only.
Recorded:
5.13
